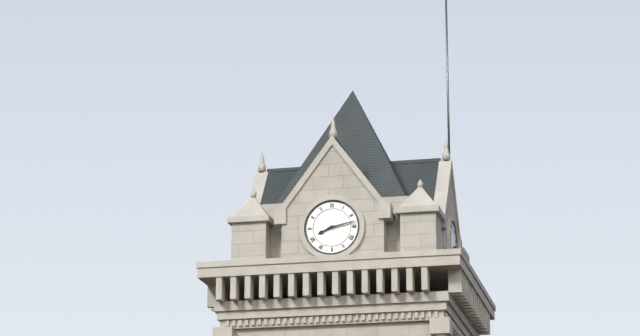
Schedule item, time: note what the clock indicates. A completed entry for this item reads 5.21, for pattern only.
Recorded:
8.13
